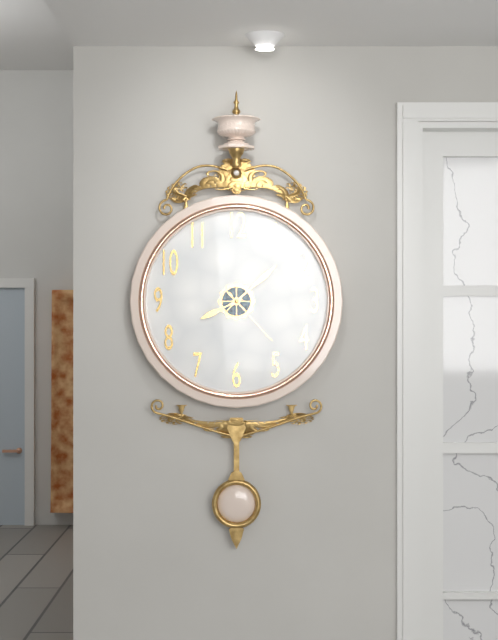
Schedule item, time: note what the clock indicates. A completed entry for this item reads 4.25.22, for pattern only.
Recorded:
8.08.23
